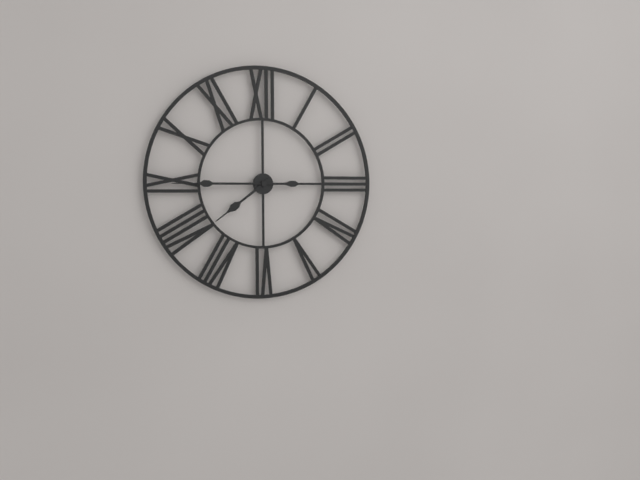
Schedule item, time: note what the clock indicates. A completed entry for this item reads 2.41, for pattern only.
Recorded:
7.45
